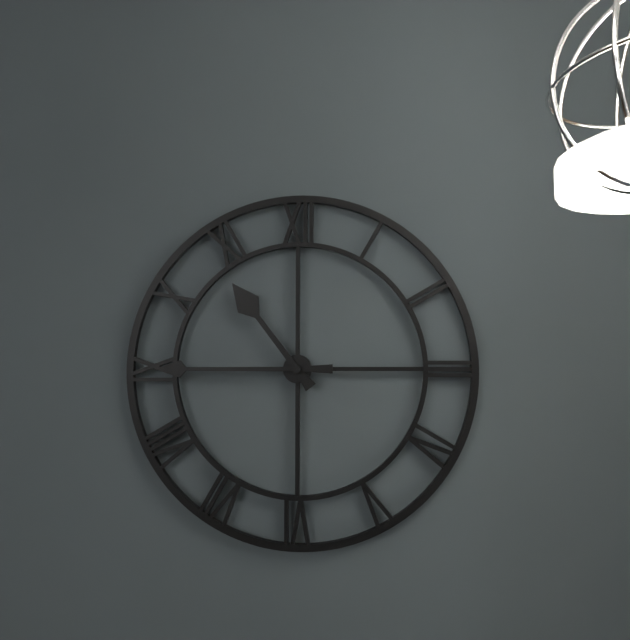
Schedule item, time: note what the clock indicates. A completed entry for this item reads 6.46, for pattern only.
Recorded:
10.45
